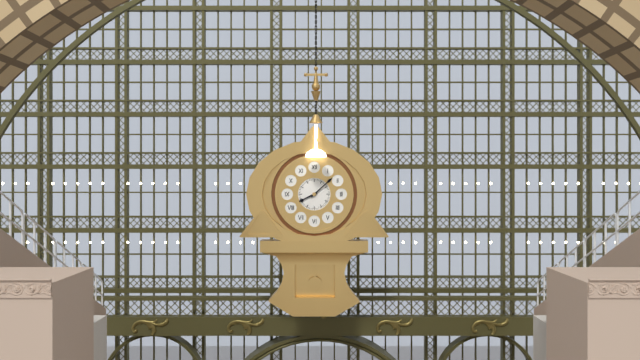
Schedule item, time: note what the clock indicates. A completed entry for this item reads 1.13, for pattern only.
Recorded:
8.08
